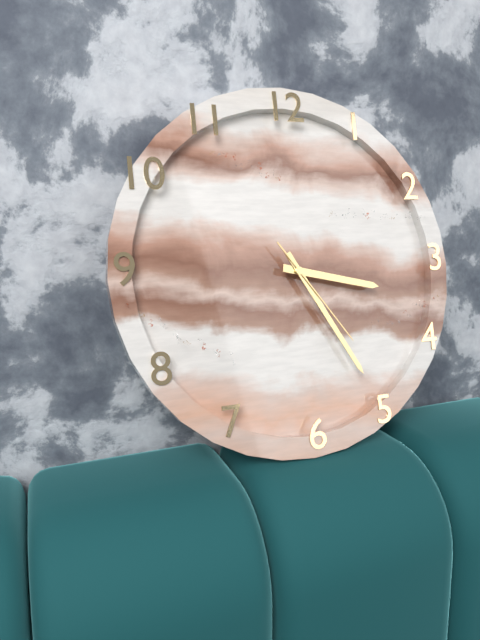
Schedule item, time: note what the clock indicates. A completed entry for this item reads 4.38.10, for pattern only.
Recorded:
3.25.24
